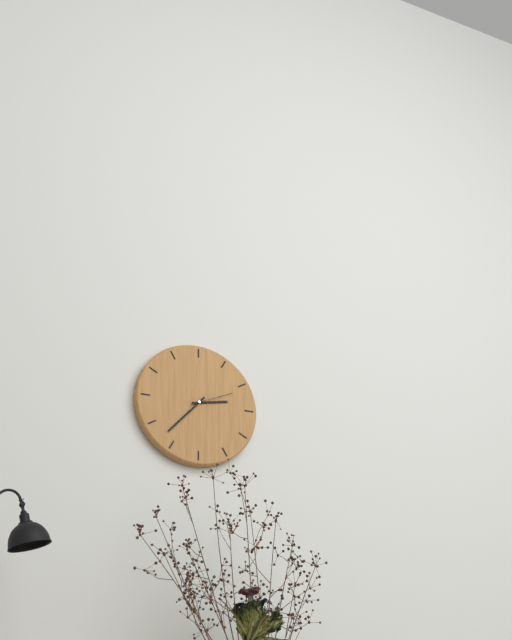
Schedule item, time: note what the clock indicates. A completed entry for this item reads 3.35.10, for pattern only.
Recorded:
2.37.11
